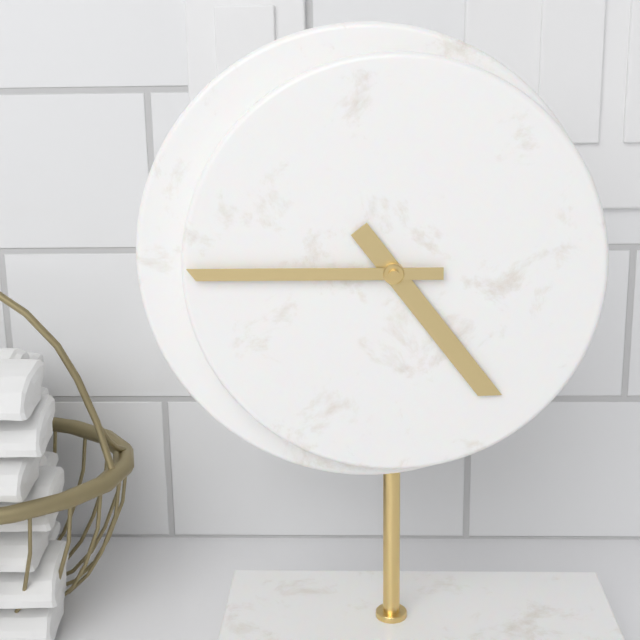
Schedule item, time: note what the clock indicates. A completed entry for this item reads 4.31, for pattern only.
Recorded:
4.45
